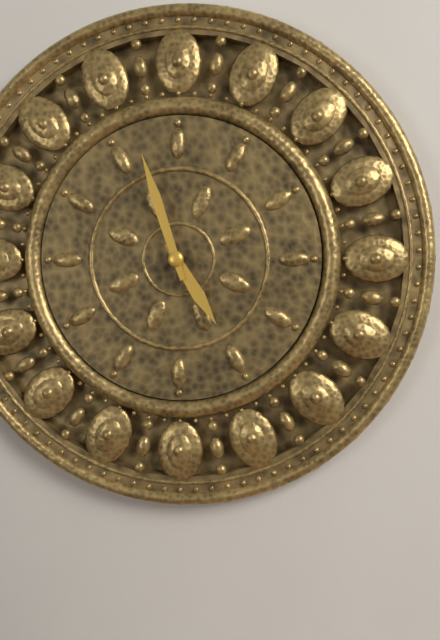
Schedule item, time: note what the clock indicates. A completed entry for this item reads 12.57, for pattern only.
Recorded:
4.57
